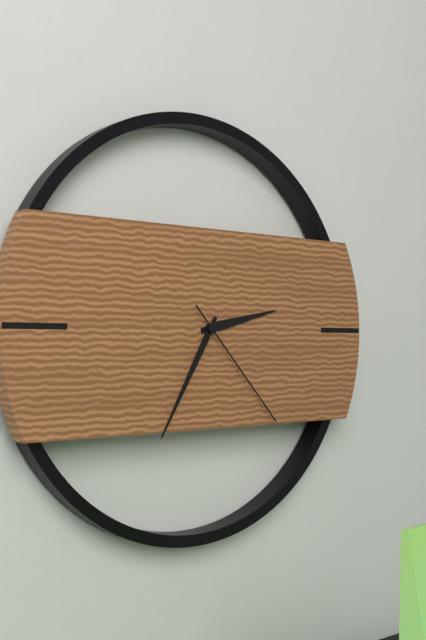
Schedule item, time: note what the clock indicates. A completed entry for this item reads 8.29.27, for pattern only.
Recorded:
2.35.23
